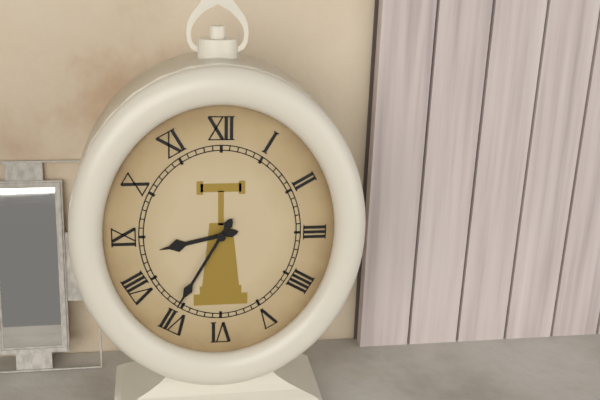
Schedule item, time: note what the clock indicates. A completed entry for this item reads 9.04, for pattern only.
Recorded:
8.35
